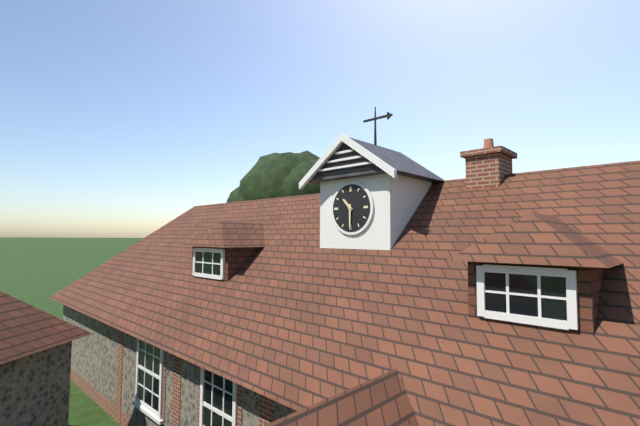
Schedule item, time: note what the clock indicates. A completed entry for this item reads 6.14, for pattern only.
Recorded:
10.30
